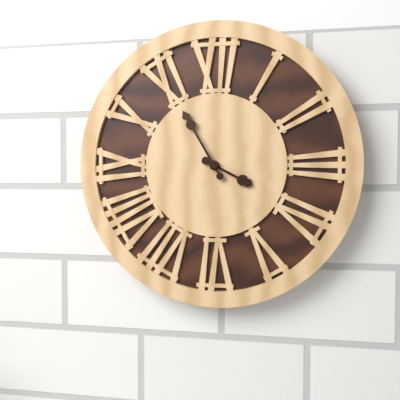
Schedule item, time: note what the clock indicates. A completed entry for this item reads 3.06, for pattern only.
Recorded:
3.55
